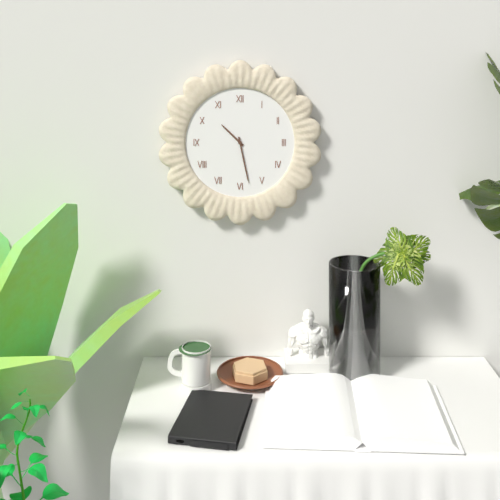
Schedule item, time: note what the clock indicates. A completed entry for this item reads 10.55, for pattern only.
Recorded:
10.28
